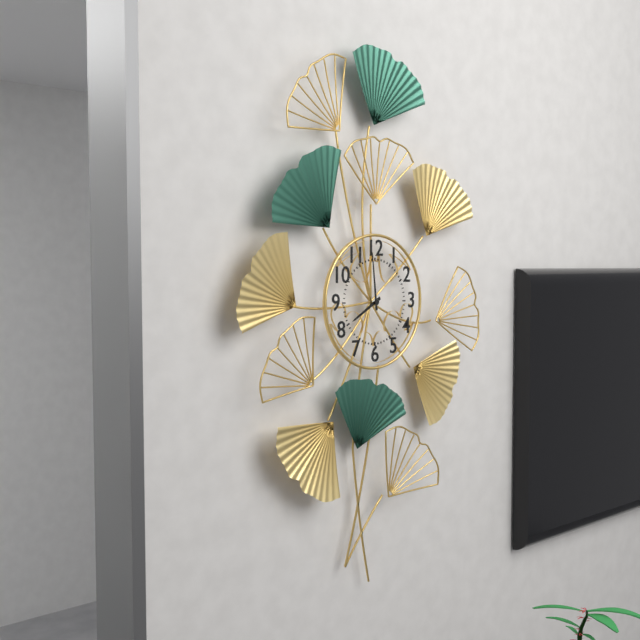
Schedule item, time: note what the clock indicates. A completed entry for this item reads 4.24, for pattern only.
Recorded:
7.59
